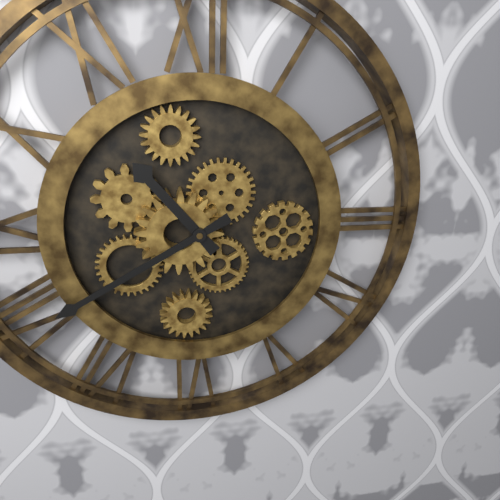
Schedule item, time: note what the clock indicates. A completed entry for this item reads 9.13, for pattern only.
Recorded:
10.40
